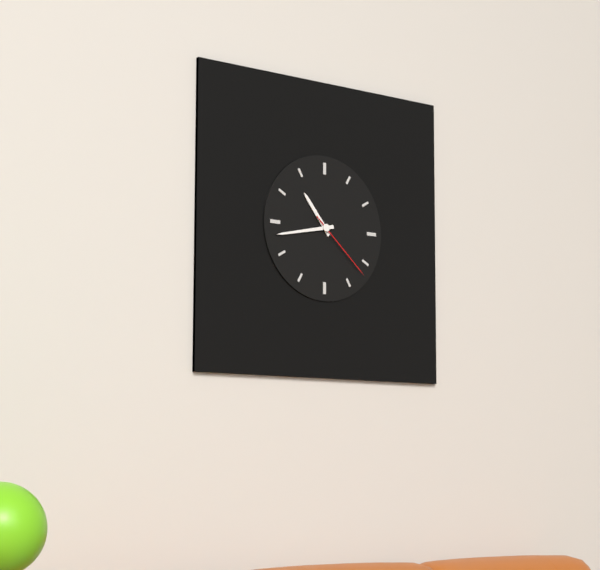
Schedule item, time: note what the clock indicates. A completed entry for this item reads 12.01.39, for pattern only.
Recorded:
10.43.22
